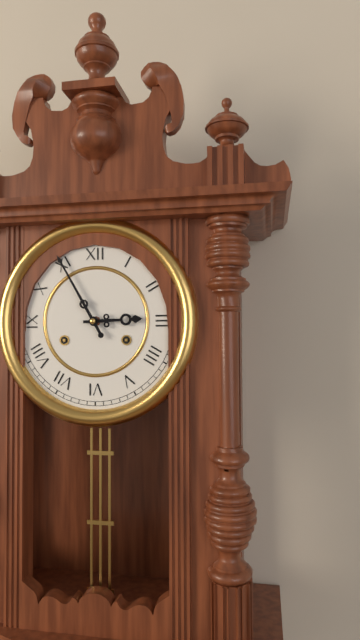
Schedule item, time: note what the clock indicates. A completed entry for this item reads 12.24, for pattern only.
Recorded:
2.55
